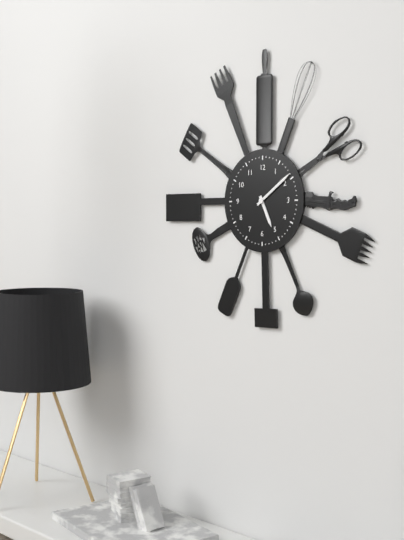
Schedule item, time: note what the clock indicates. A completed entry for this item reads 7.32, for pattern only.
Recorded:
5.09
